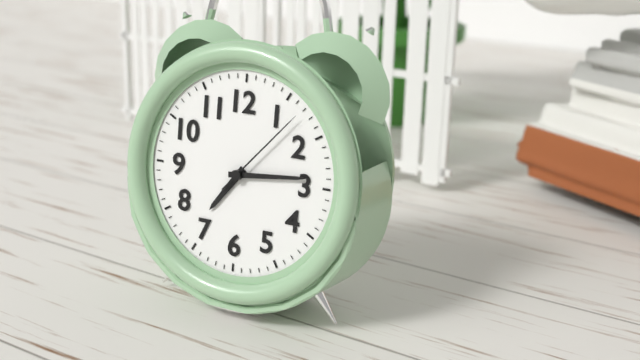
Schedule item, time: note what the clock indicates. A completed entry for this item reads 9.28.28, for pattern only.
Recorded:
7.14.07
